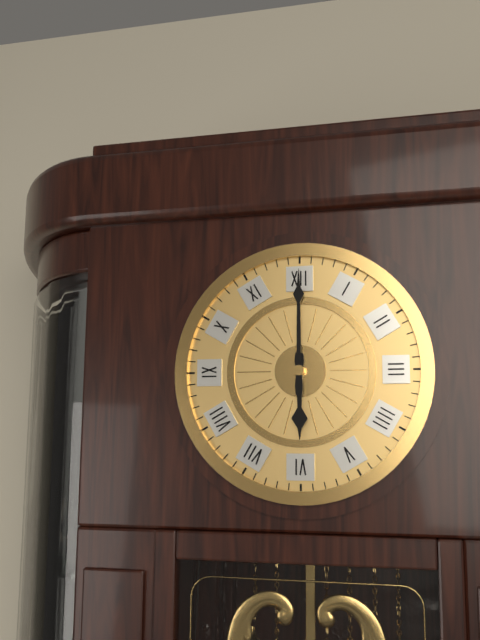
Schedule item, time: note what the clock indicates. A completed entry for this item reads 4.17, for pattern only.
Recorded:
6.00
